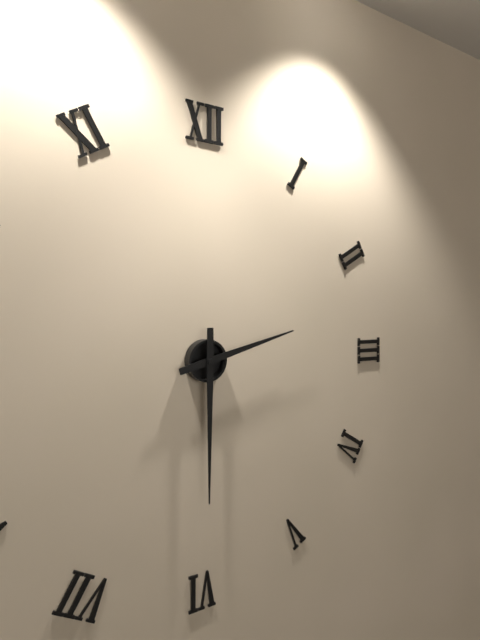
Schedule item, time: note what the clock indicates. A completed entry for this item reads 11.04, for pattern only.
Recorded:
2.30
